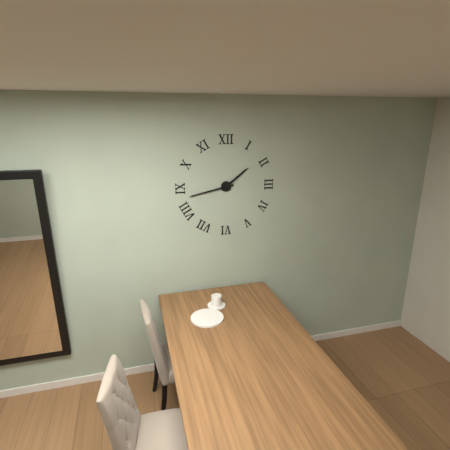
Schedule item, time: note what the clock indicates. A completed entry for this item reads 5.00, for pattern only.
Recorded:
1.43
